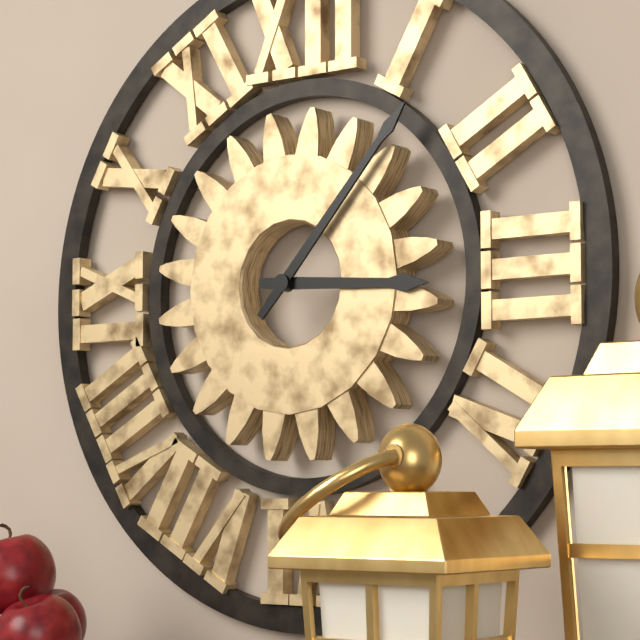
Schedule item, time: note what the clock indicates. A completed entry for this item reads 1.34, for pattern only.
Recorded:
3.07
